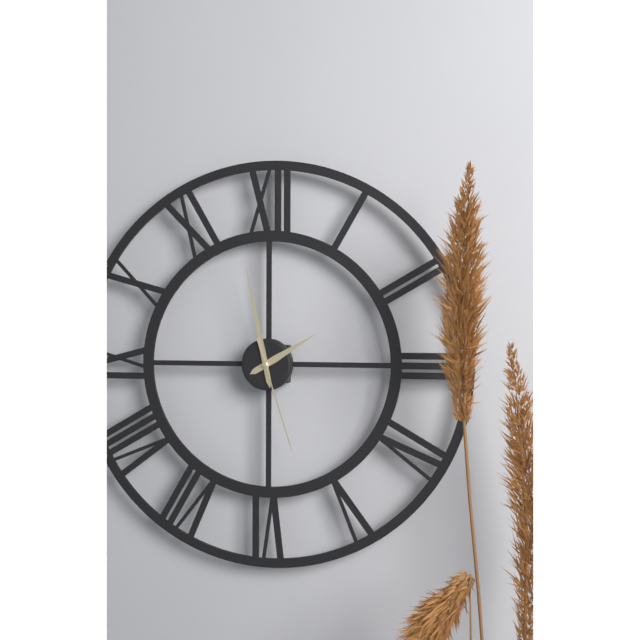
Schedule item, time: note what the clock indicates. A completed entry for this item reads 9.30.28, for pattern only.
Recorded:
1.58.27
